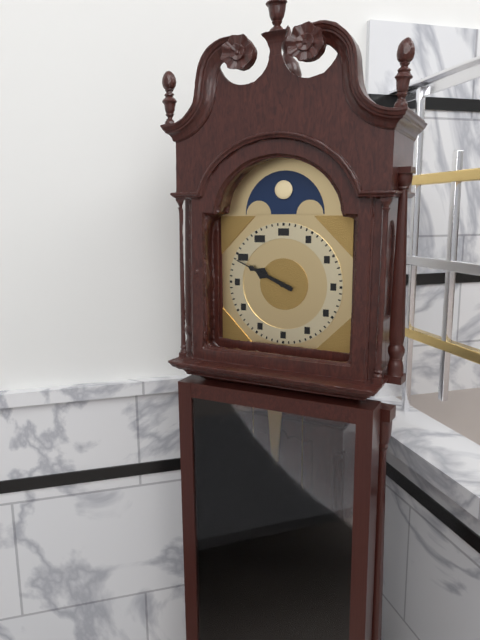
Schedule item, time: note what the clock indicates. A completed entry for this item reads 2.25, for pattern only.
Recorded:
9.49
